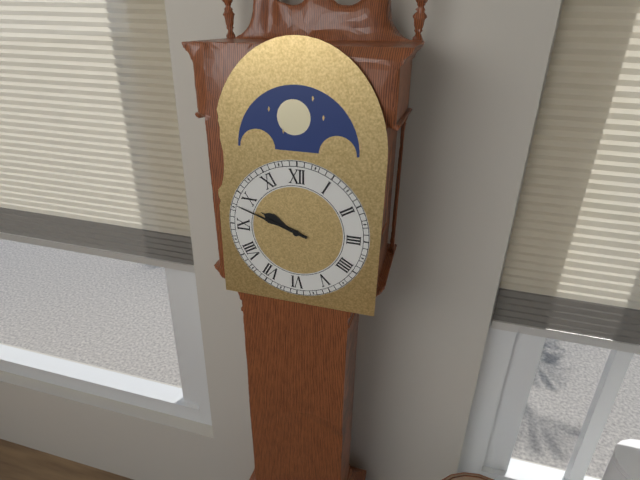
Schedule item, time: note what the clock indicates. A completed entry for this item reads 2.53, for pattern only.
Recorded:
9.48
